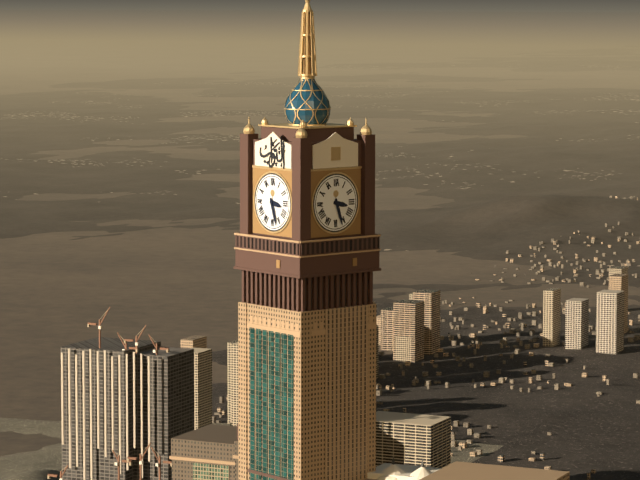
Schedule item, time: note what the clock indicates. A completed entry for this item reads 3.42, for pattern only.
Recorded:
3.27
